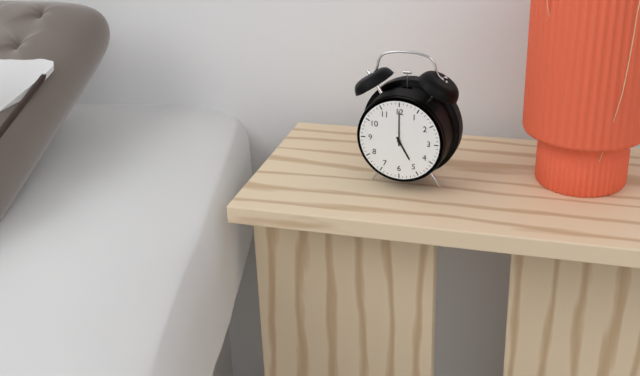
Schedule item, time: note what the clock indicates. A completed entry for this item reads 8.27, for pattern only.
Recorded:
5.00
